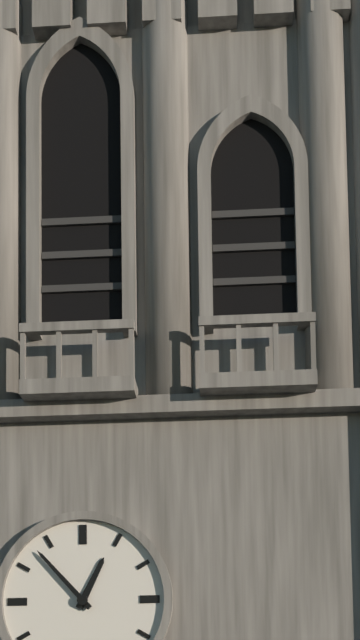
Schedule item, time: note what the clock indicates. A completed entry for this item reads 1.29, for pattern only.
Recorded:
12.53
